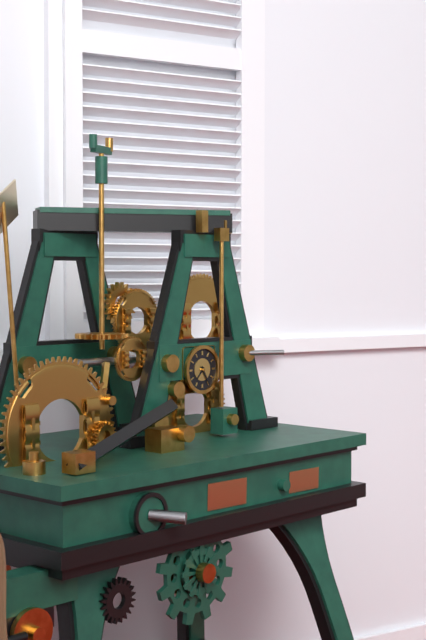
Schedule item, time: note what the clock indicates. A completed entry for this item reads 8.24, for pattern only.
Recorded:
7.25
